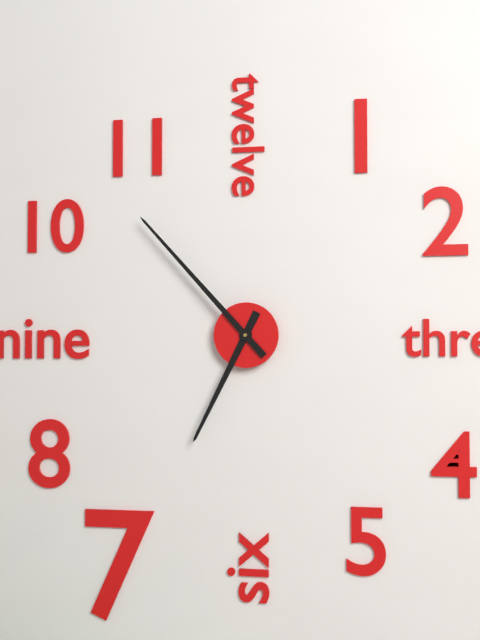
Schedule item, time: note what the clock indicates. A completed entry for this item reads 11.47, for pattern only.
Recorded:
6.53
